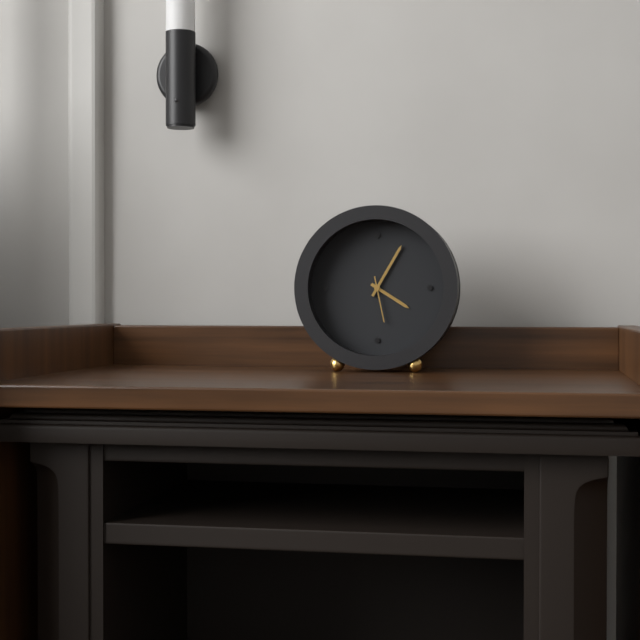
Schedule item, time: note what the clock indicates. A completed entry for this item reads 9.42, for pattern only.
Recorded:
4.05
